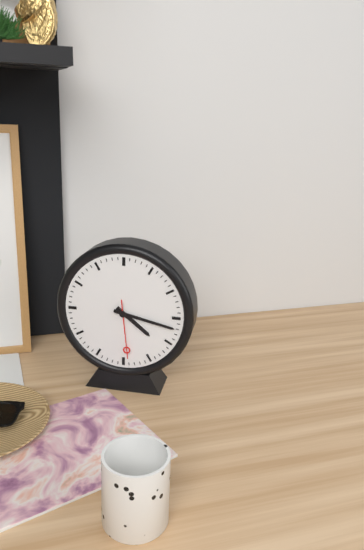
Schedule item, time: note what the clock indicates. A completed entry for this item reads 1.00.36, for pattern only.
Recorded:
4.17.29
